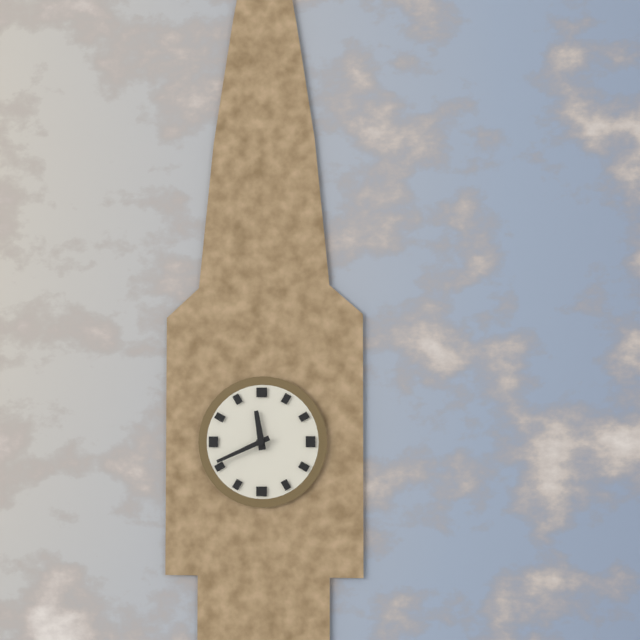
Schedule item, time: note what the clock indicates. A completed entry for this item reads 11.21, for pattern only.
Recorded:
11.41
